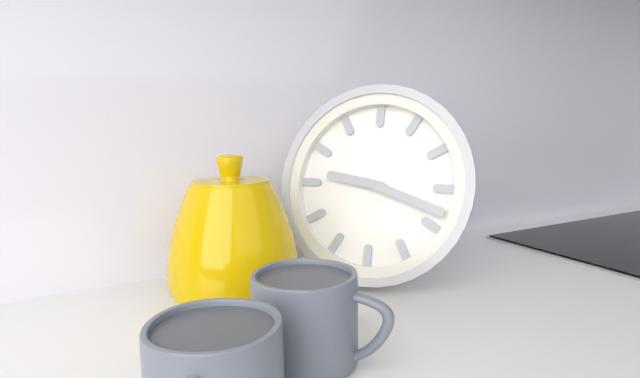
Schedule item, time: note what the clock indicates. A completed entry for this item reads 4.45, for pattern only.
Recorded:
9.18
